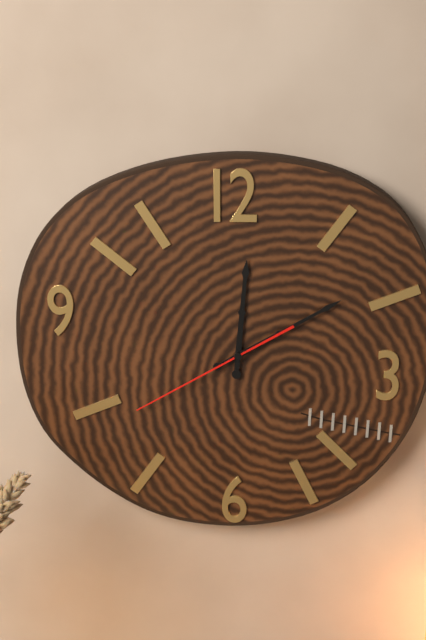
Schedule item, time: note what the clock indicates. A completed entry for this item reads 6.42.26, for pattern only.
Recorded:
12.10.40
